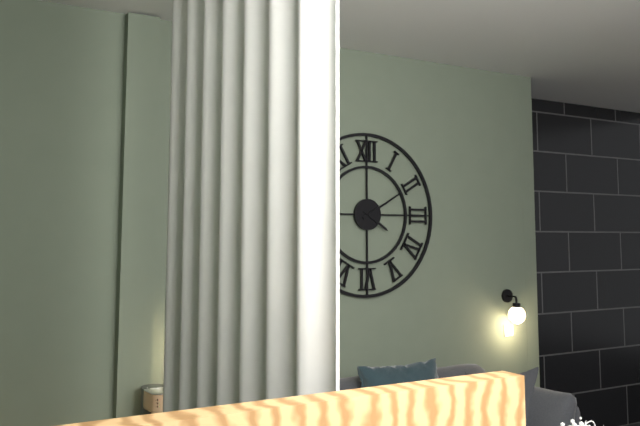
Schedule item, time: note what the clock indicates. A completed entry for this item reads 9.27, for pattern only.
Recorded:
4.10
